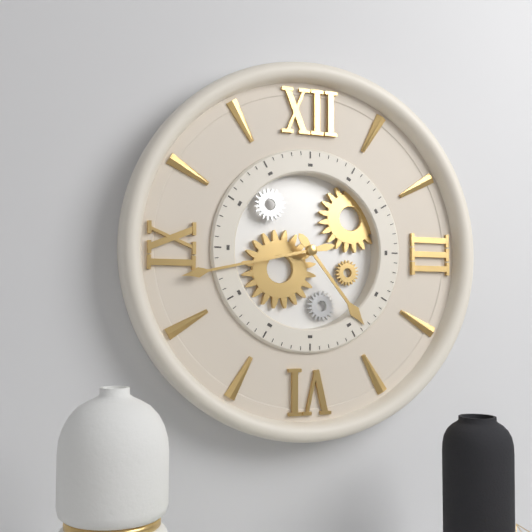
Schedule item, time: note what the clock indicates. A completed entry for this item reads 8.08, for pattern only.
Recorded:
4.43
